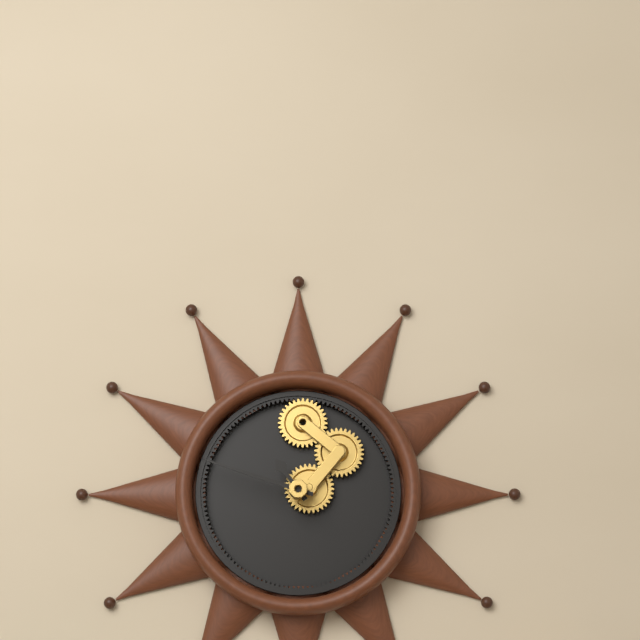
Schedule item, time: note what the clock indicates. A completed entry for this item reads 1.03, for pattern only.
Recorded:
10.48
